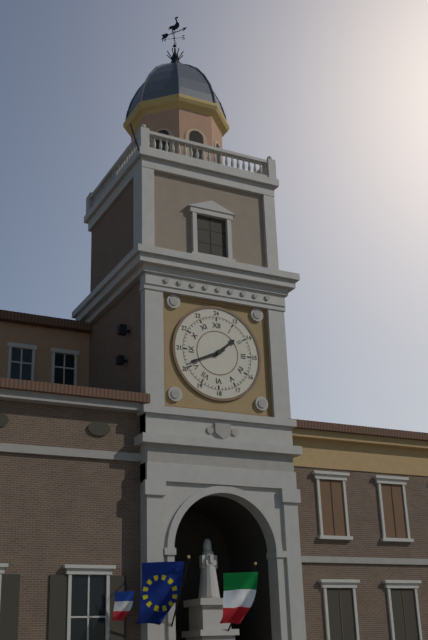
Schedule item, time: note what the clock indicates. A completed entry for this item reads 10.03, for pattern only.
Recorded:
1.41
